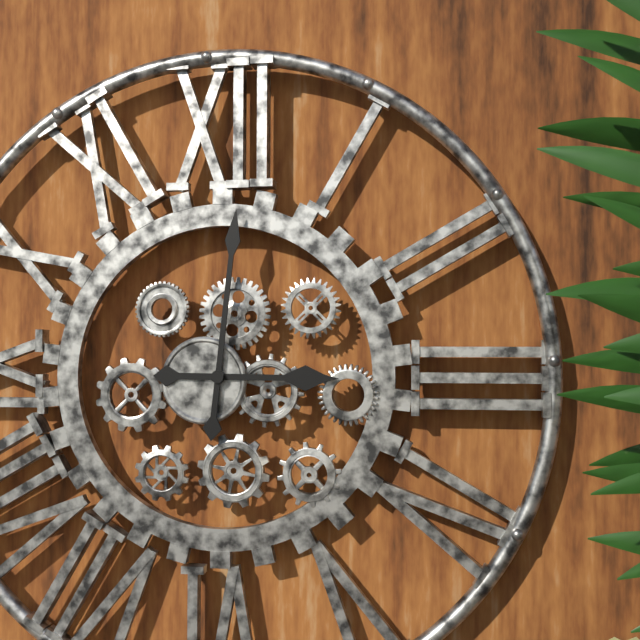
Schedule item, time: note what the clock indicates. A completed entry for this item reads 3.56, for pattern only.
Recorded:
3.01
